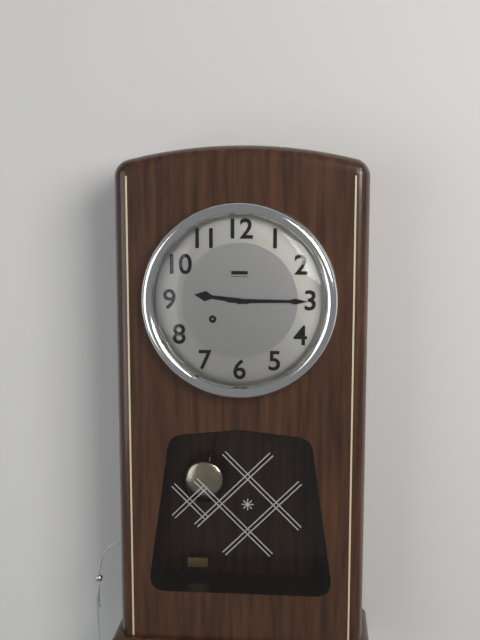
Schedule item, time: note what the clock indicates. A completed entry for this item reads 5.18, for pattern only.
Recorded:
9.15
